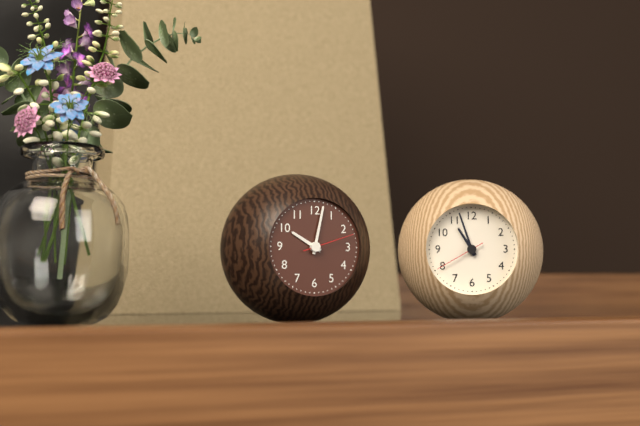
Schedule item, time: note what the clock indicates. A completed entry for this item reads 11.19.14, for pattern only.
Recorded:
10.02.12
